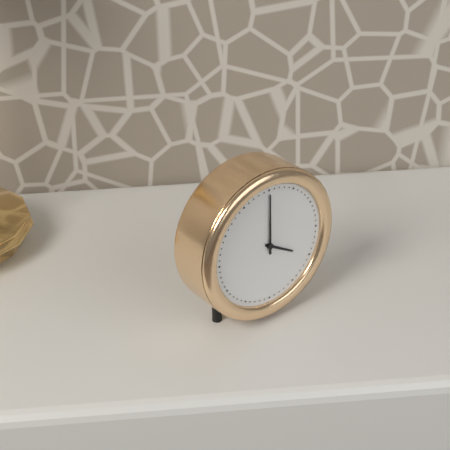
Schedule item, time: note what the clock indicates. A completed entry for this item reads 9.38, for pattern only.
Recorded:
4.00
